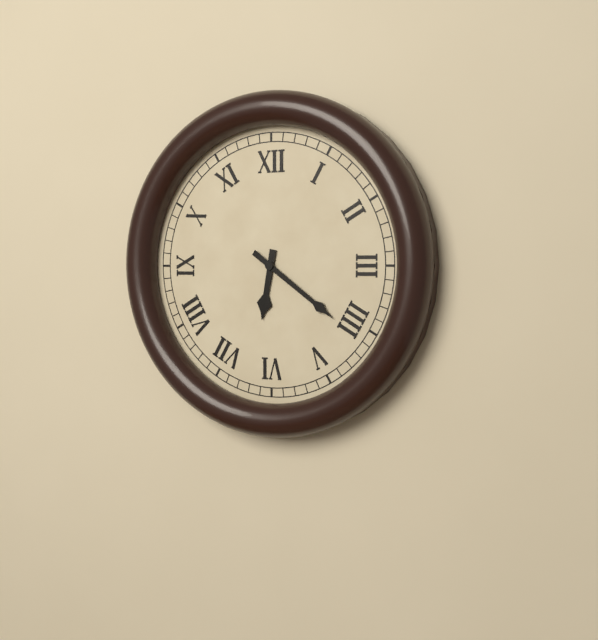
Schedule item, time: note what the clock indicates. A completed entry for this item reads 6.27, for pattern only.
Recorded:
6.21
